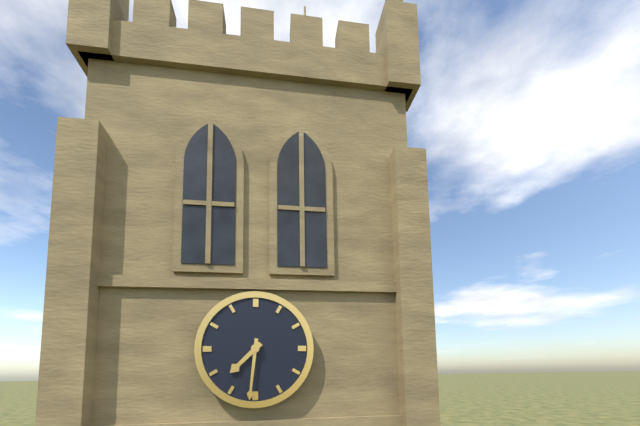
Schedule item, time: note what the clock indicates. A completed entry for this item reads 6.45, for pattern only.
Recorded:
7.31
